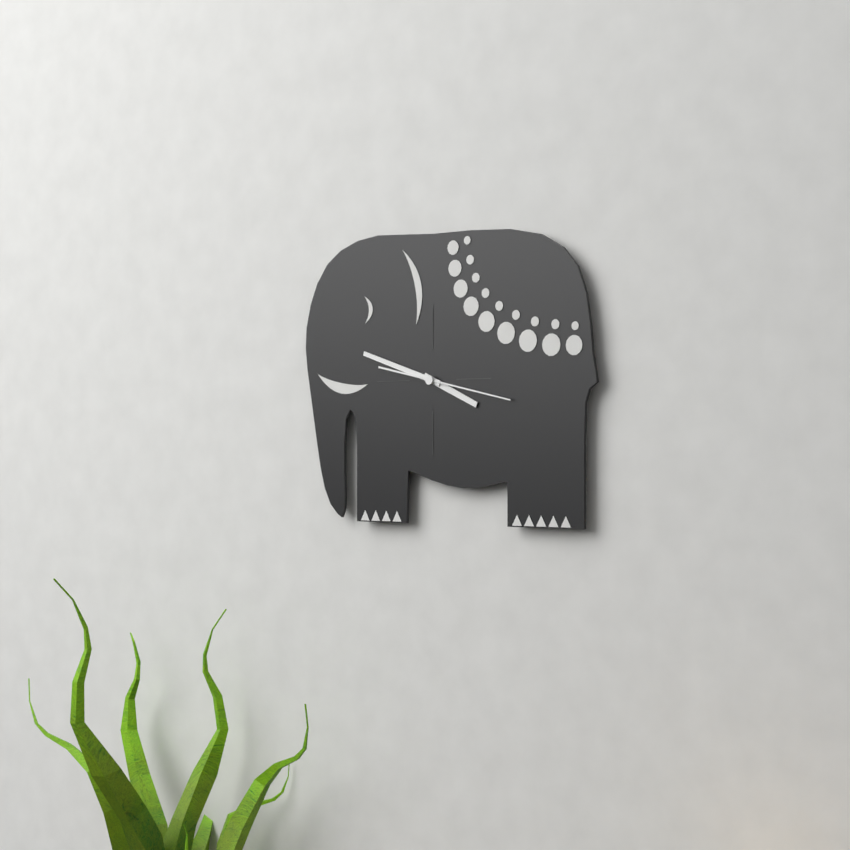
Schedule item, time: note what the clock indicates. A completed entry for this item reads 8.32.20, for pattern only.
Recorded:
3.48.17
